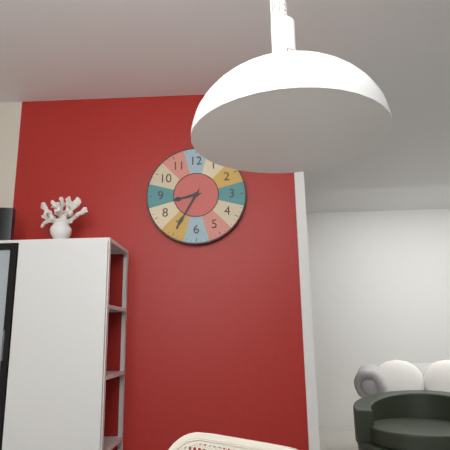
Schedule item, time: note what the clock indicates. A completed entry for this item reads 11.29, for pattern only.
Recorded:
8.35
